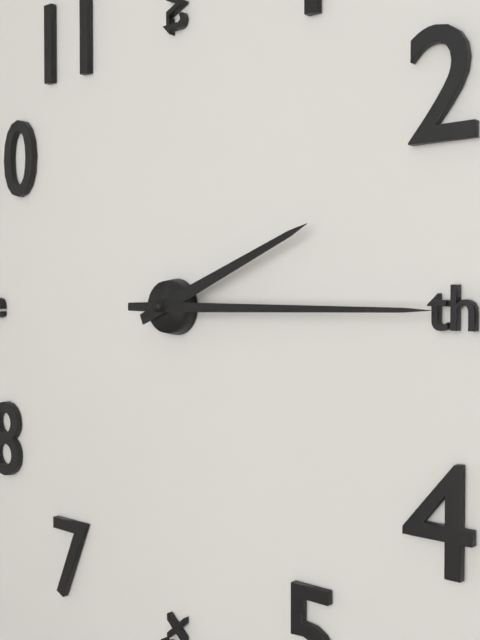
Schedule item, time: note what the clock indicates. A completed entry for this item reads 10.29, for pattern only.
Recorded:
2.15
